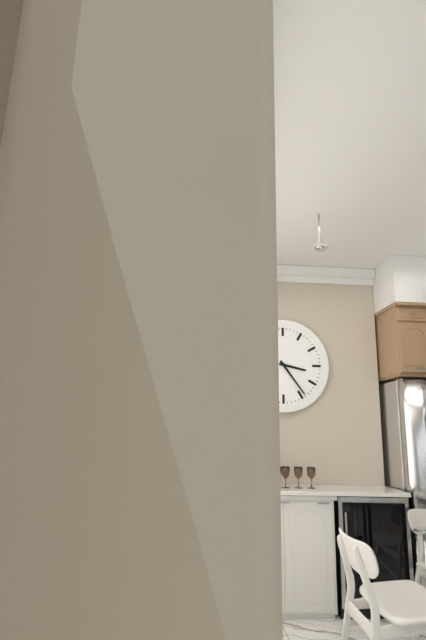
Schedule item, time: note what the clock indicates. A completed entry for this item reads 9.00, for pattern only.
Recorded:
3.24
